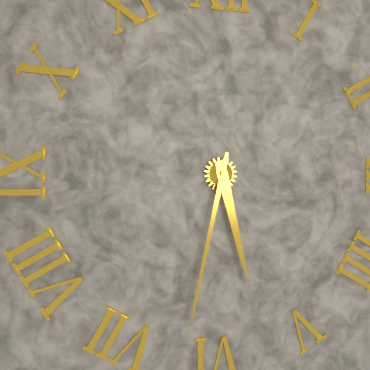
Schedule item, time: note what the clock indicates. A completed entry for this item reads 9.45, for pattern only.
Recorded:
5.32
